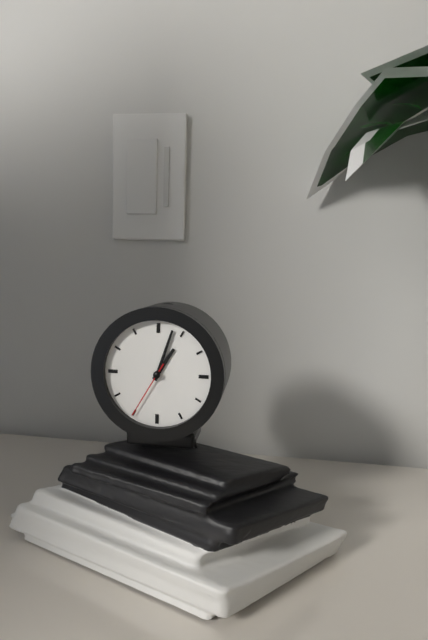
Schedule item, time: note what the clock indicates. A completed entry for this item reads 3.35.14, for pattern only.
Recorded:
1.03.35
